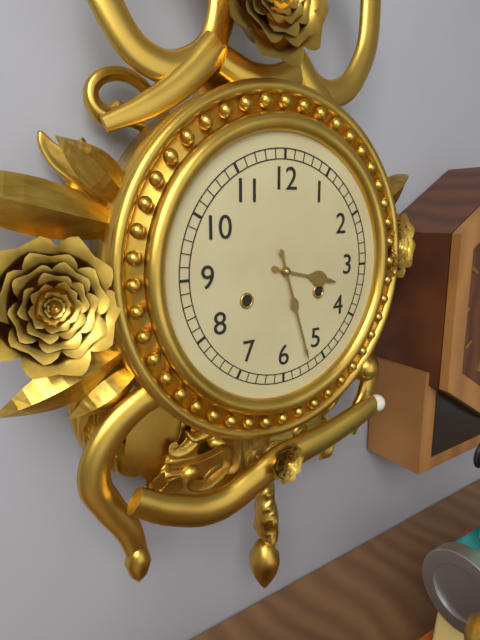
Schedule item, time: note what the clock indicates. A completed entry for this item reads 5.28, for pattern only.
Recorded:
3.27
